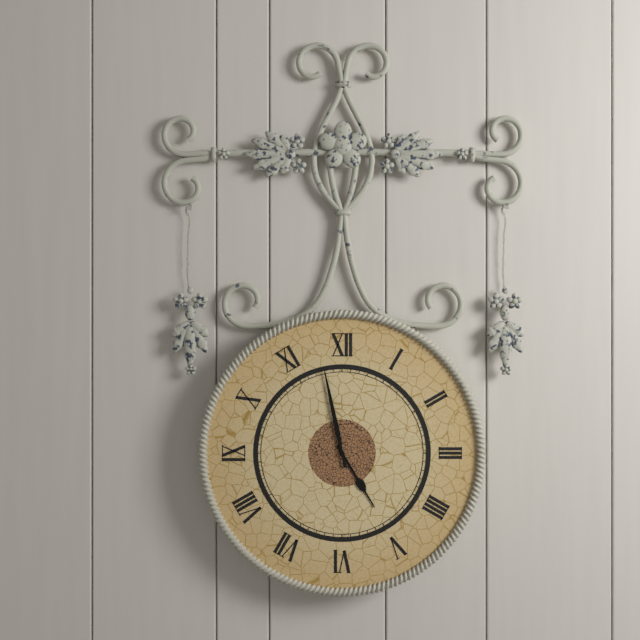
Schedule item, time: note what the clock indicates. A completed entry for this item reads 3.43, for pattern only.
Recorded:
4.58
